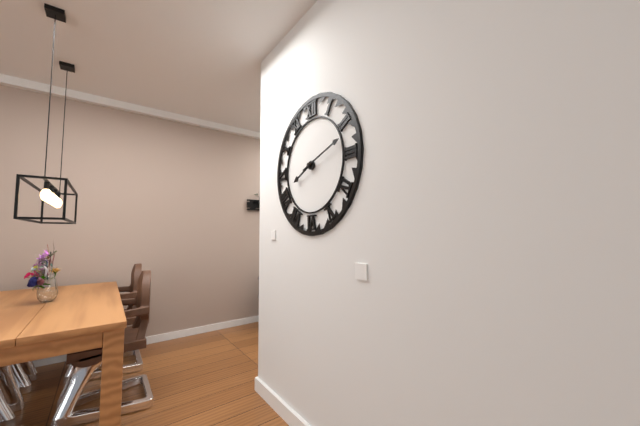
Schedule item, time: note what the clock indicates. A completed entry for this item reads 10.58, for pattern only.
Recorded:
8.12
